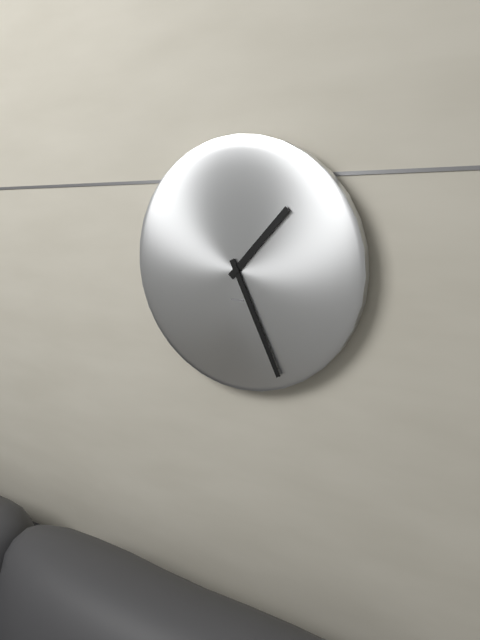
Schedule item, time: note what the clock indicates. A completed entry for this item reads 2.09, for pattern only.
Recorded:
1.26
